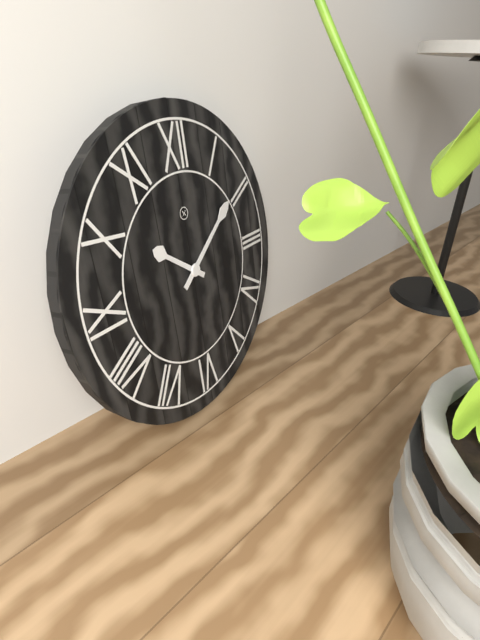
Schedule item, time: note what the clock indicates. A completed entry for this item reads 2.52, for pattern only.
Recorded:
10.09
